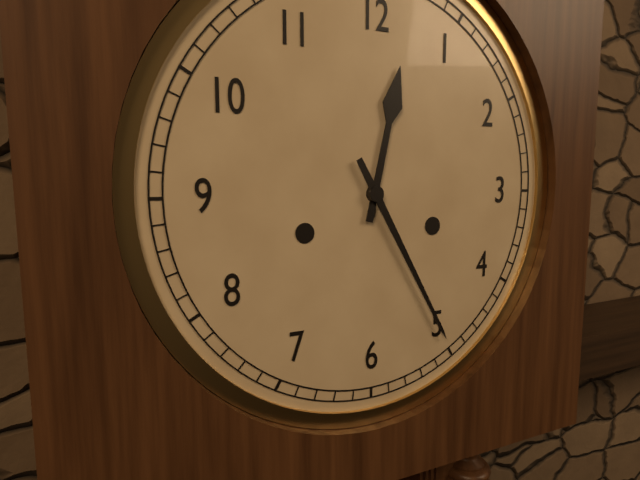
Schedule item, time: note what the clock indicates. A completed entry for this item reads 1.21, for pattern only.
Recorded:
12.25
